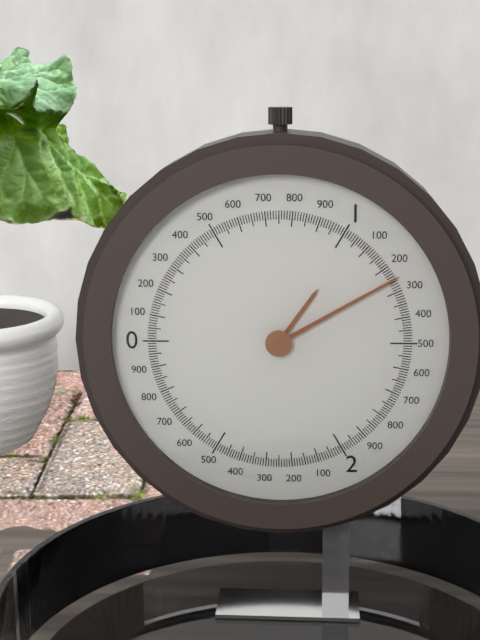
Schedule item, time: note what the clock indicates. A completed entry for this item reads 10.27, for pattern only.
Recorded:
1.10
